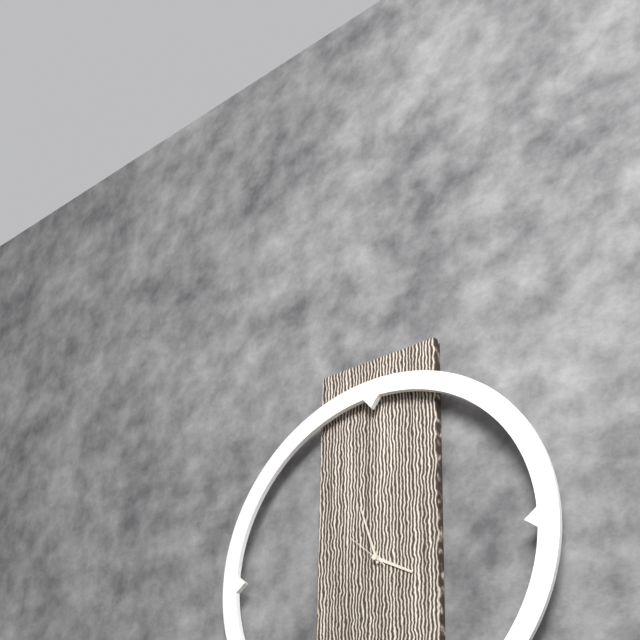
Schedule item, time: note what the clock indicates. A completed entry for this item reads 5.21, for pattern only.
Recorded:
3.57
